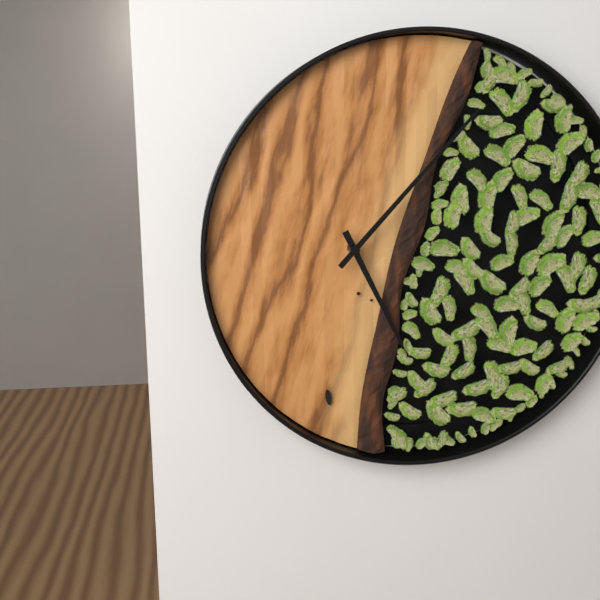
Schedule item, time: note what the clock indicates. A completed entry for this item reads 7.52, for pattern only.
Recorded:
5.07
